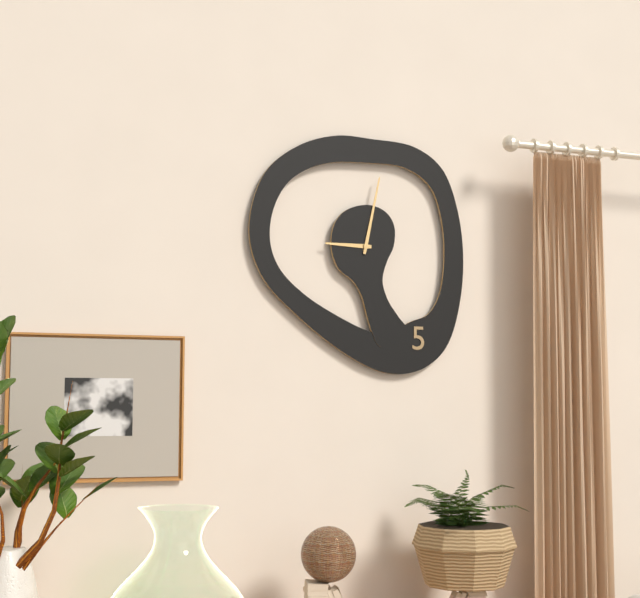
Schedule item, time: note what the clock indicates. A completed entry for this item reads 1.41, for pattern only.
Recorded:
9.02
